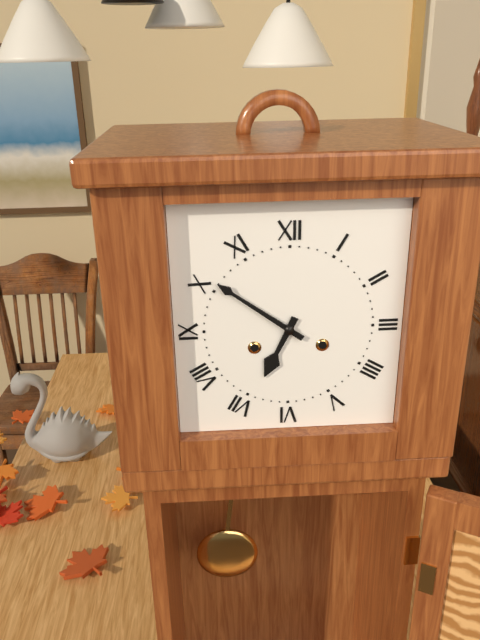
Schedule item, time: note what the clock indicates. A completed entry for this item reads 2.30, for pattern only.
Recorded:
6.51
